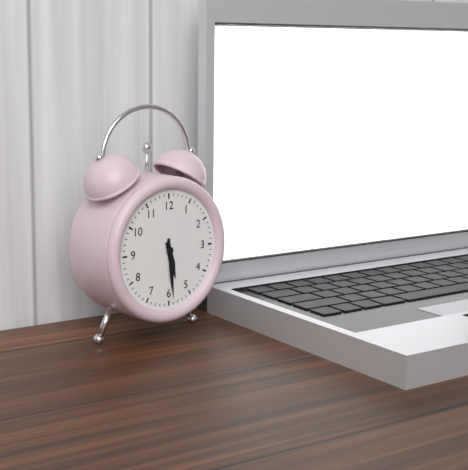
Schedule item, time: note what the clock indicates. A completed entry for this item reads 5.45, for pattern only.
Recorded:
5.29
